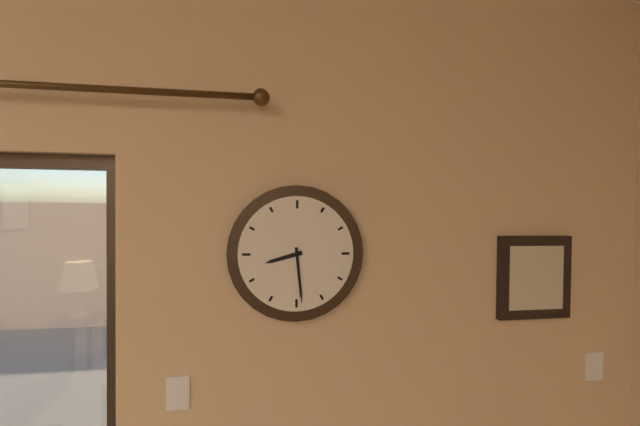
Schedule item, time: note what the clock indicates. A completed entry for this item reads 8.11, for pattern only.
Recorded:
8.29
